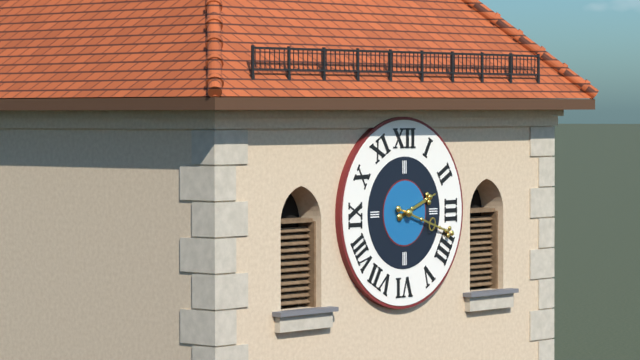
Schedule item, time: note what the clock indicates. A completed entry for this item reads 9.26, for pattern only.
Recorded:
2.18
